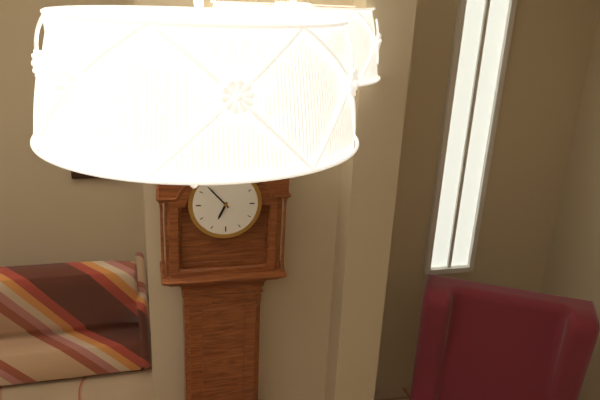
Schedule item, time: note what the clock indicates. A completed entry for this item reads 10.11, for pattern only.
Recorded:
6.53
